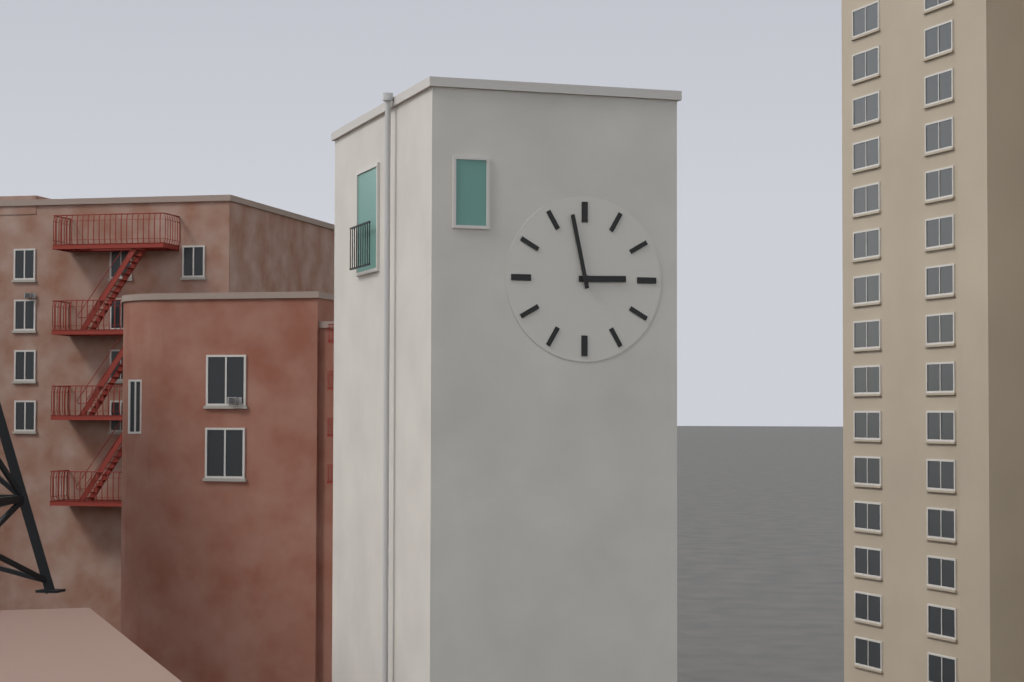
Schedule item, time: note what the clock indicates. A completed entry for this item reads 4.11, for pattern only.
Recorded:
2.58
